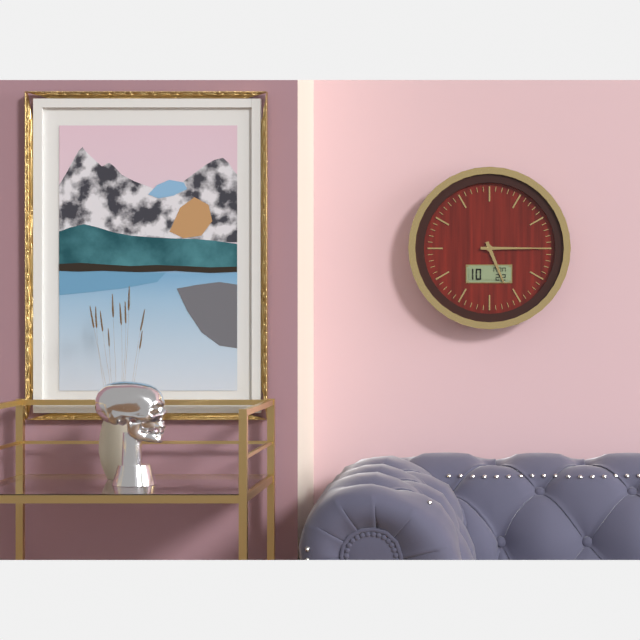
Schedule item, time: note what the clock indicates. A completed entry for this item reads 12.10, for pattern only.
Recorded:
5.15
